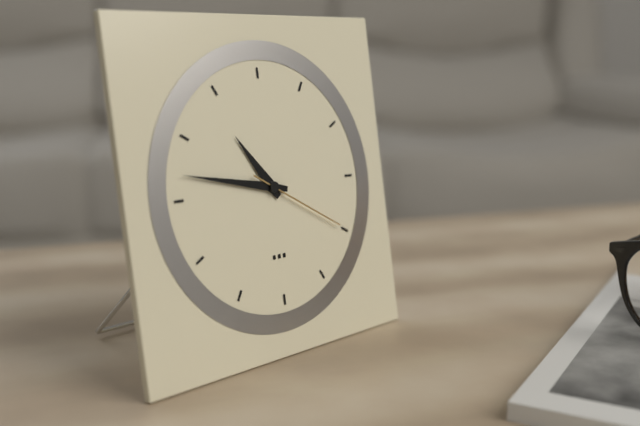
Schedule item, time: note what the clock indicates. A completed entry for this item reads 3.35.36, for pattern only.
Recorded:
10.47.20
